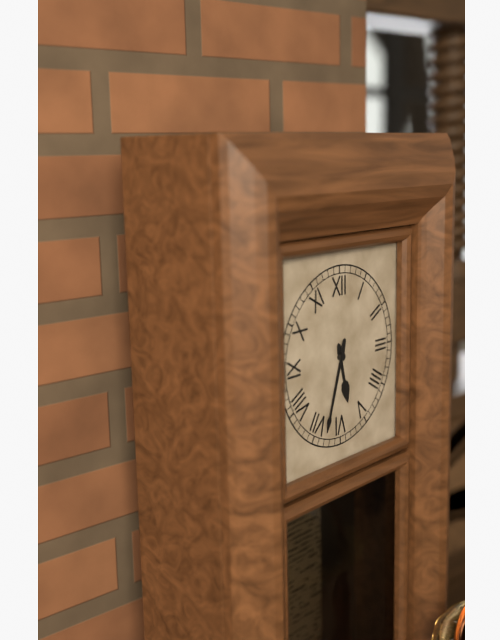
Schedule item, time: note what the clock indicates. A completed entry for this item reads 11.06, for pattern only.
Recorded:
5.33
